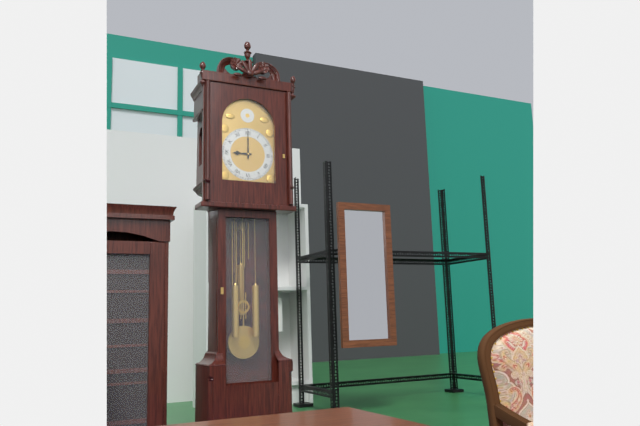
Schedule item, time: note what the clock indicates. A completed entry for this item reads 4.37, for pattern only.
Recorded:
9.00
